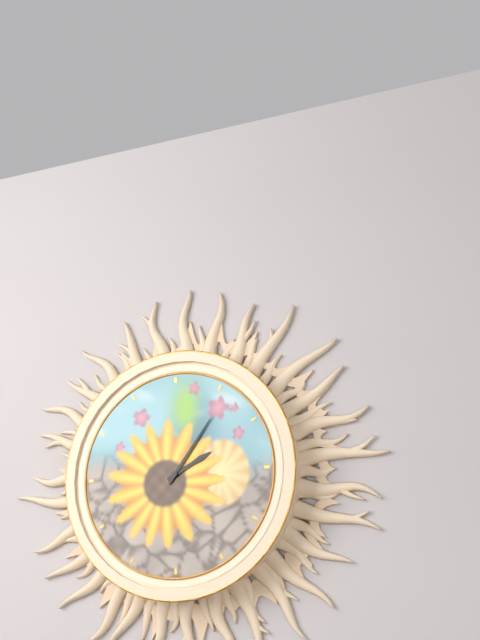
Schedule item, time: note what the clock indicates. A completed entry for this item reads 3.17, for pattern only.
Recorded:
2.06
